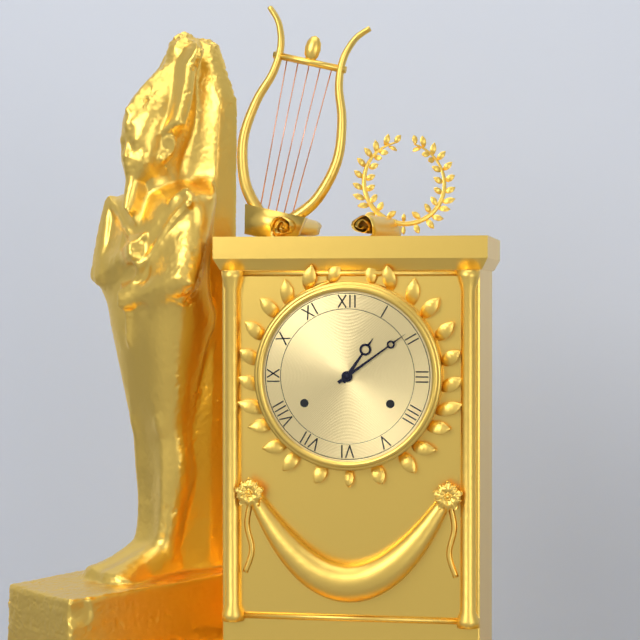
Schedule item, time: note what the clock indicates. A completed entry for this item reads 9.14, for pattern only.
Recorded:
1.09
